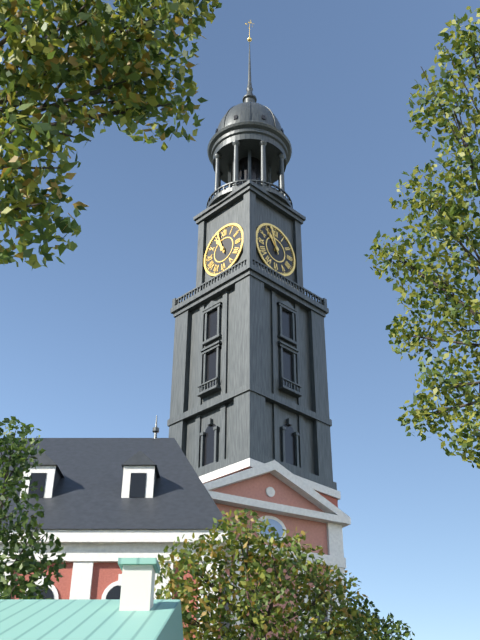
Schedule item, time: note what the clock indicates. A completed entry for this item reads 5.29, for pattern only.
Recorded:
10.57
